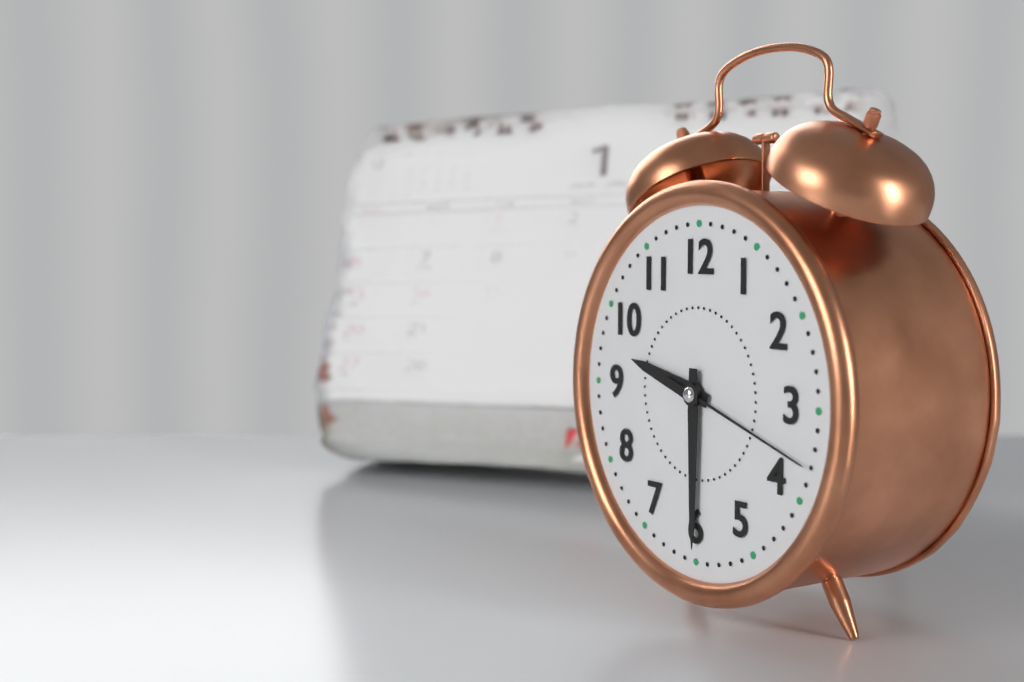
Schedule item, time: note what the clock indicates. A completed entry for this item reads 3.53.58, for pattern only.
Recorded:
9.30.18
